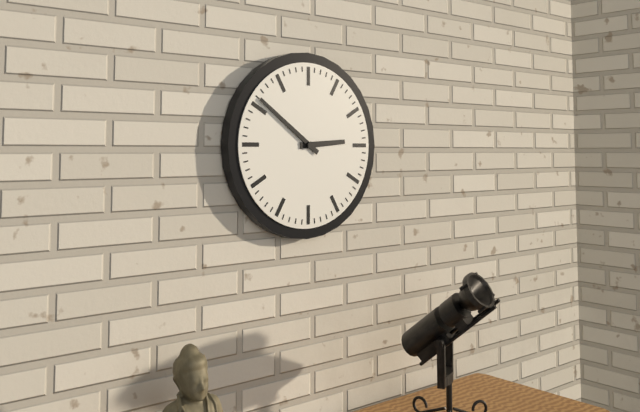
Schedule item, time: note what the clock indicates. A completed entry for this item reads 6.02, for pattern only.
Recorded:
2.51
